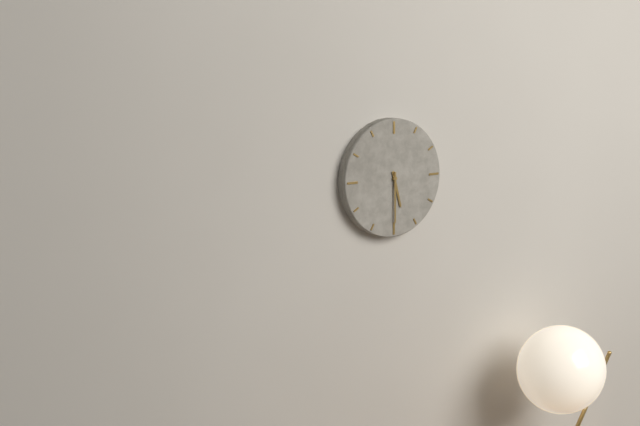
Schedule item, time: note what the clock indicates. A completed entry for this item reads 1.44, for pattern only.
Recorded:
5.30
